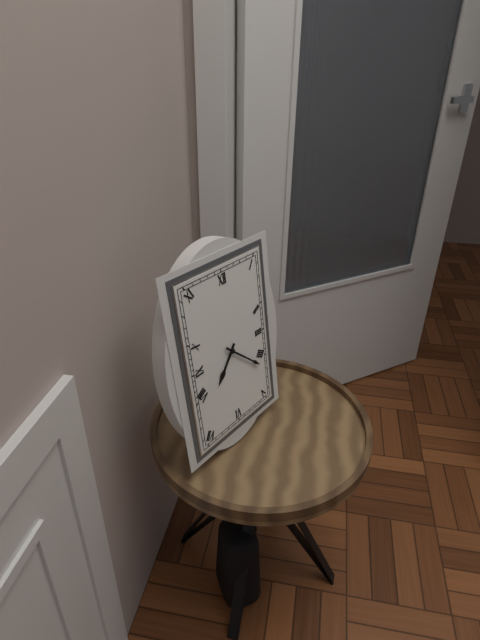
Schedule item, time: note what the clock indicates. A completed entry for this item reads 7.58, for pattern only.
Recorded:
7.22
